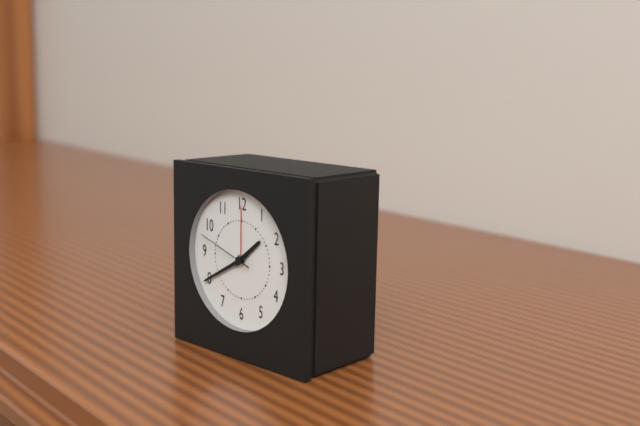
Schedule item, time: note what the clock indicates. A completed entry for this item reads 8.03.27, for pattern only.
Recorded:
1.40.48
